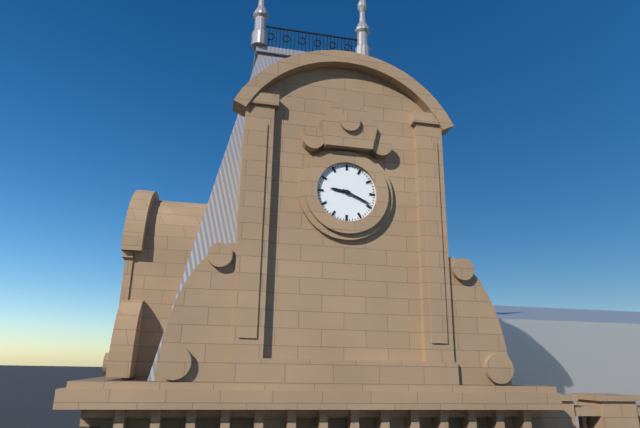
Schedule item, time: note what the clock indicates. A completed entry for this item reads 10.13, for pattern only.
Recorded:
9.19
